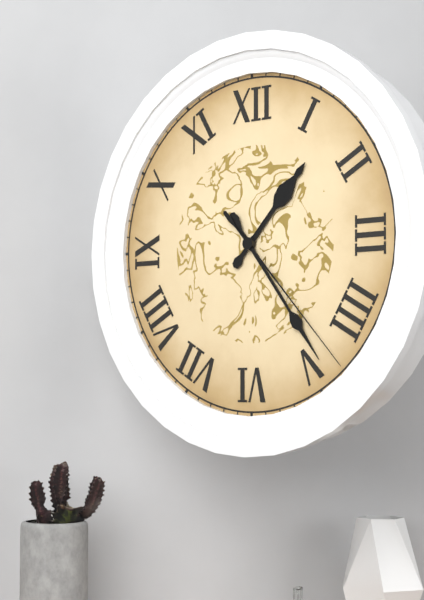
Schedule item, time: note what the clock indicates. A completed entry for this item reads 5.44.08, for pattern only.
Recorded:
1.24.23
